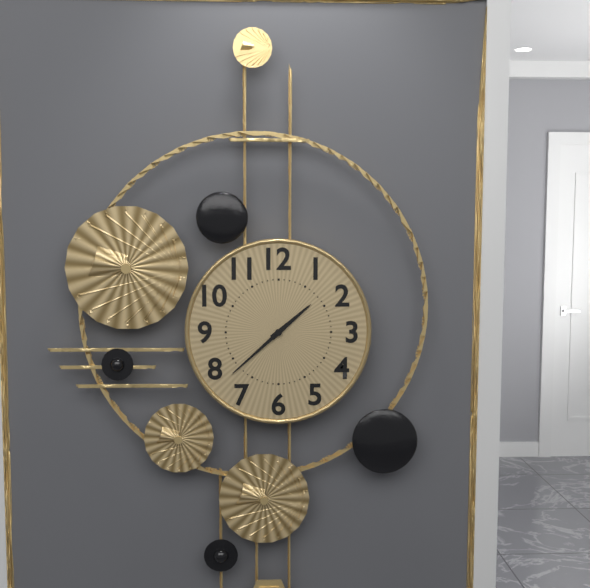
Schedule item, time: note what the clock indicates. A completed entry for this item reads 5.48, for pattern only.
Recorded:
1.38
